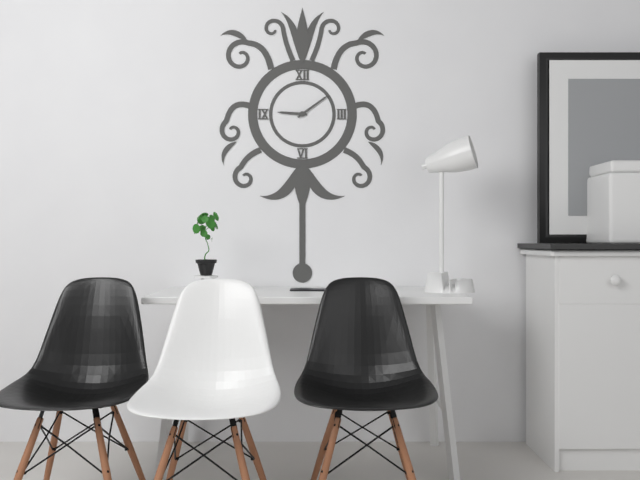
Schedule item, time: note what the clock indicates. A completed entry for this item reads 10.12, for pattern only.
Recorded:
9.09
